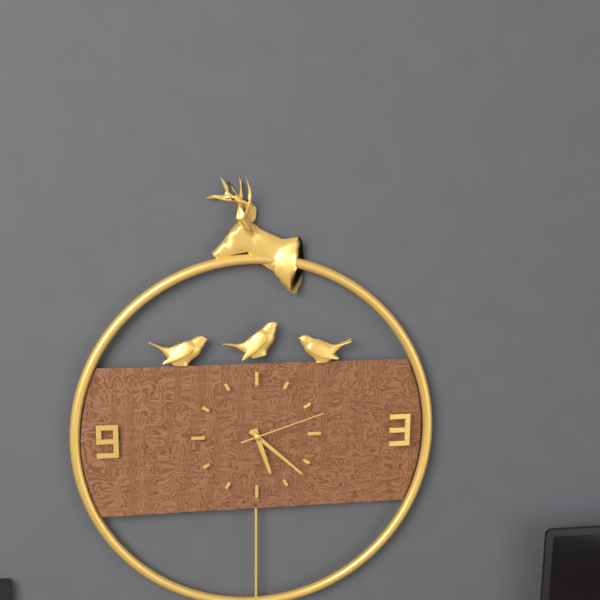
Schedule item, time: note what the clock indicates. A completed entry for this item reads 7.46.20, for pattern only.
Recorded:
5.22.12
